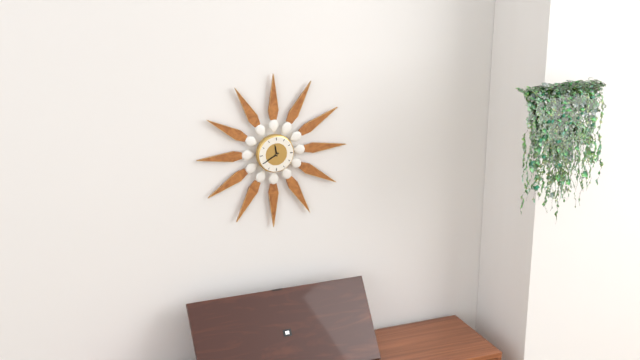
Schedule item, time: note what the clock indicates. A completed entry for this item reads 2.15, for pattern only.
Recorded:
11.40
